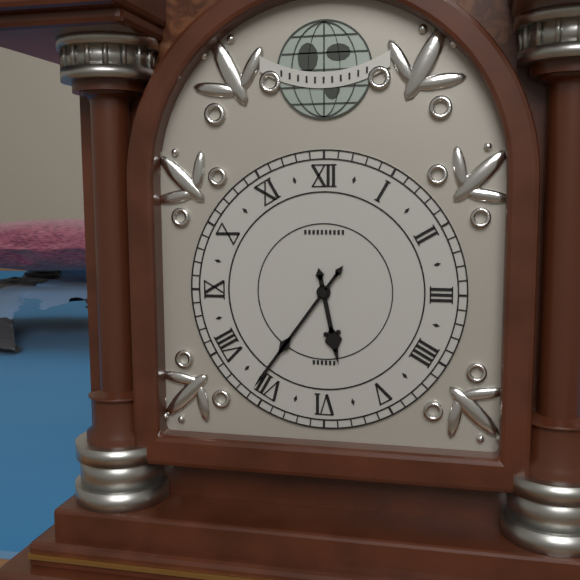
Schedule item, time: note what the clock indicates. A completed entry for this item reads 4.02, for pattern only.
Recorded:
5.36
